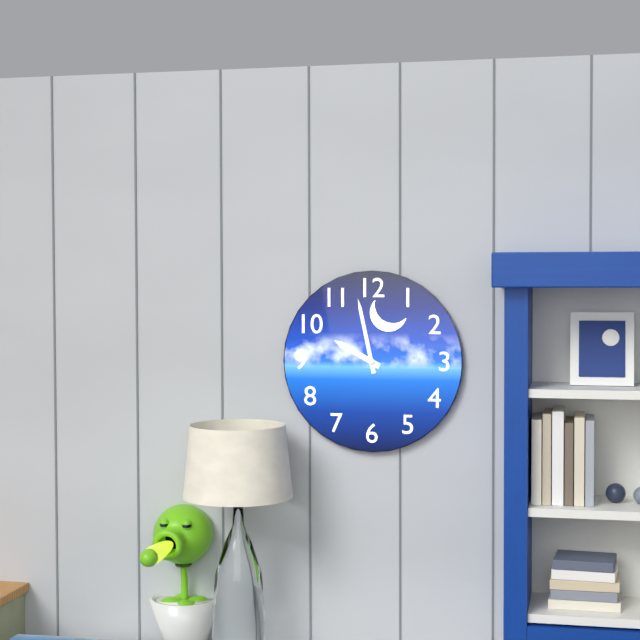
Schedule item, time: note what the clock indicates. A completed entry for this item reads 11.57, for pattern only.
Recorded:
9.58
